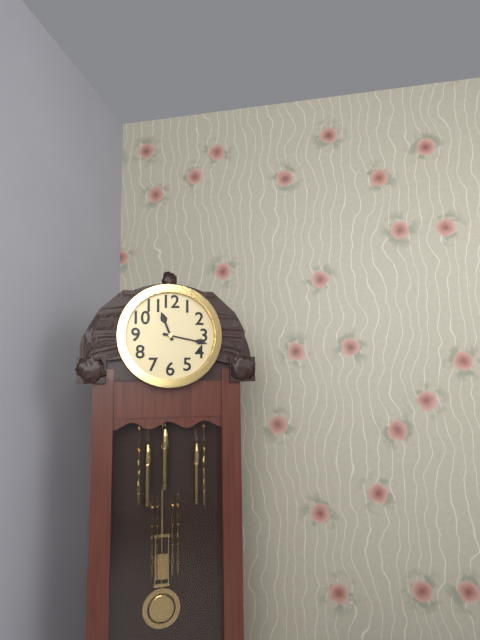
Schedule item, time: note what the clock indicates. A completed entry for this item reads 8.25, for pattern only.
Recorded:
11.17
